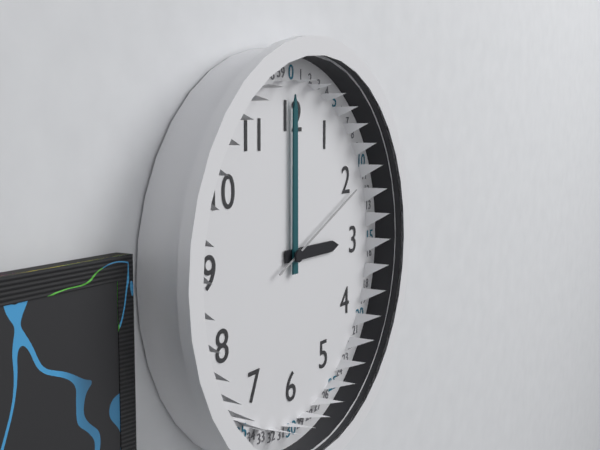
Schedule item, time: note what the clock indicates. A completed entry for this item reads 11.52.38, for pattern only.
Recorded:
3.00.11
